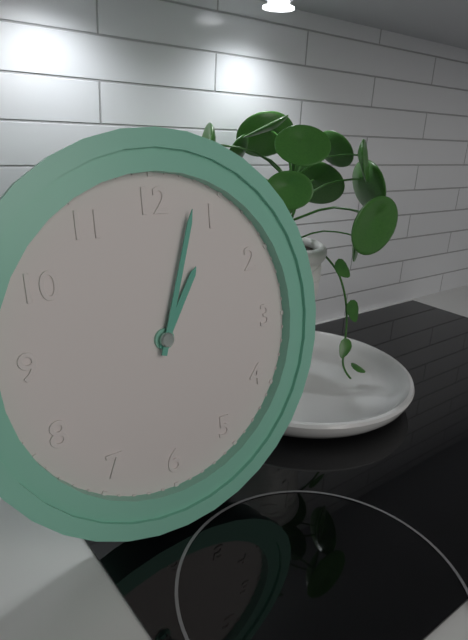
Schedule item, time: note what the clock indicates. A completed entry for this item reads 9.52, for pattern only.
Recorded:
1.03
